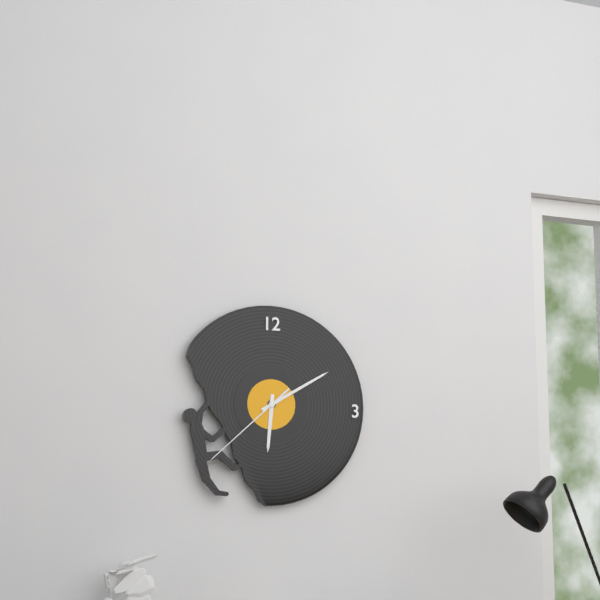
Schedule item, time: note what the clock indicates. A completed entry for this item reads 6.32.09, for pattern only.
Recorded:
6.10.38
